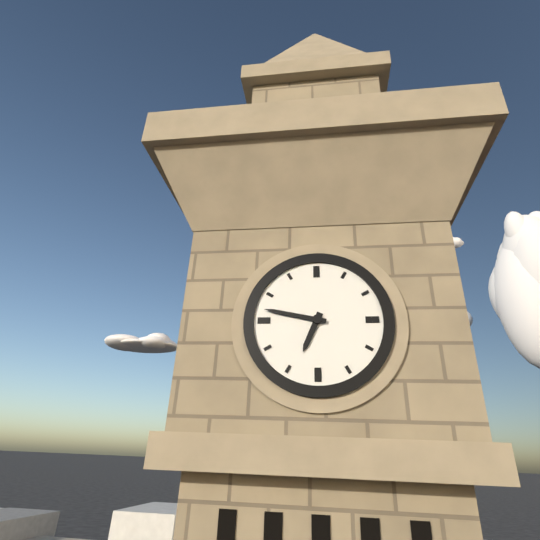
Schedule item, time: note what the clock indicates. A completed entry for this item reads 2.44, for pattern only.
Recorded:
6.47
